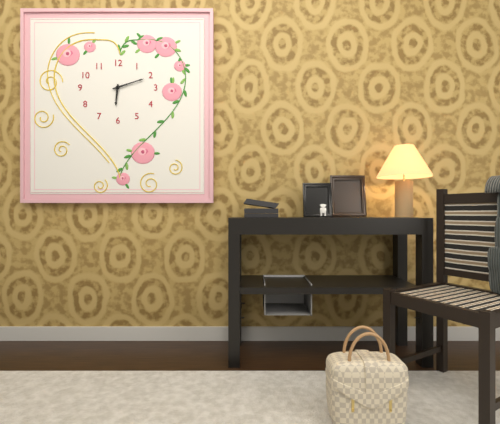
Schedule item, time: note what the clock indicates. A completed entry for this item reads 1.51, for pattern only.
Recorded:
6.12
